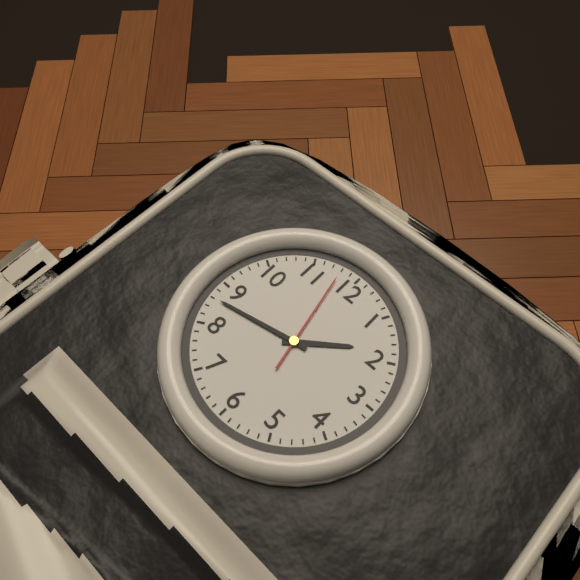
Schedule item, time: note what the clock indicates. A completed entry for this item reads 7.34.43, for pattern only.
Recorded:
1.43.58
